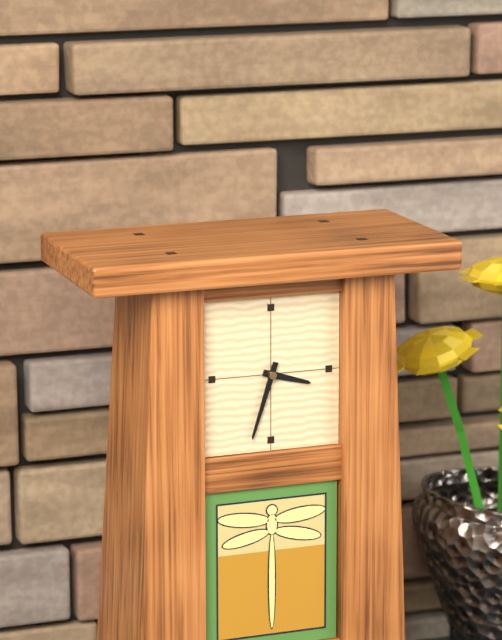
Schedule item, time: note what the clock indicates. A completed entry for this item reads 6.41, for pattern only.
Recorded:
3.33
